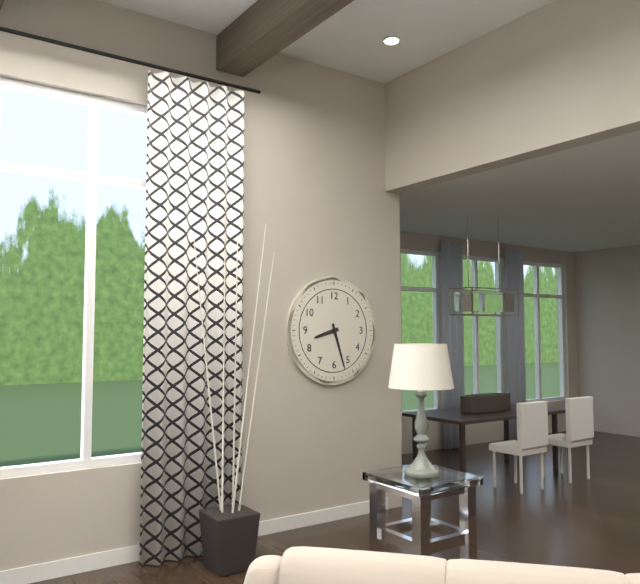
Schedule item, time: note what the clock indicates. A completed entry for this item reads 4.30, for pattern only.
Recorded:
8.27
